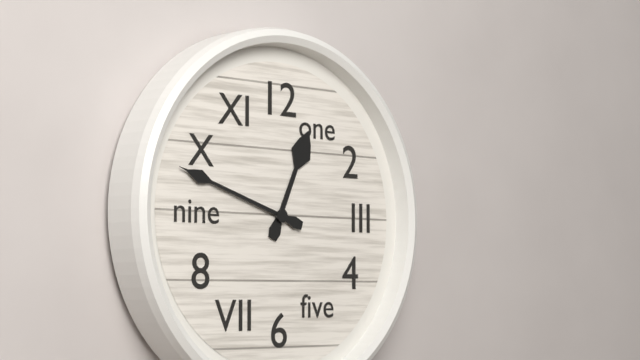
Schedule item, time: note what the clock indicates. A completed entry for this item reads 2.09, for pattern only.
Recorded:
12.48
